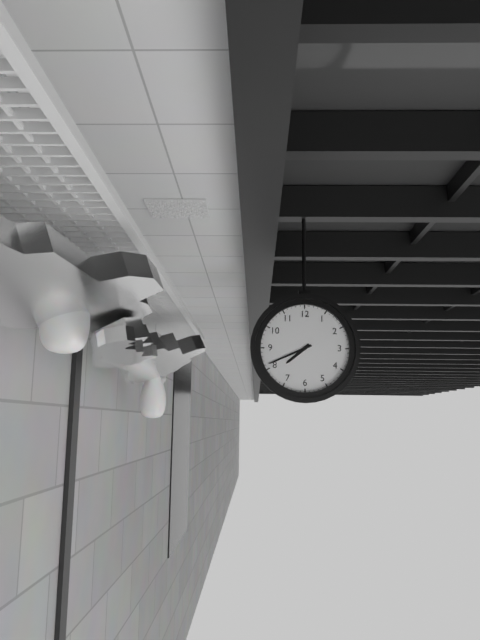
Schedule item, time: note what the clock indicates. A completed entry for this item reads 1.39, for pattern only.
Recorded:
7.41
